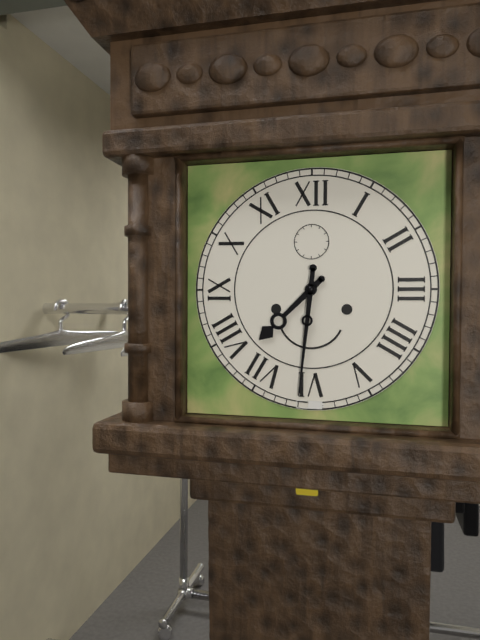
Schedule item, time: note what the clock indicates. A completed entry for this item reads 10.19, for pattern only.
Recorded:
7.31
